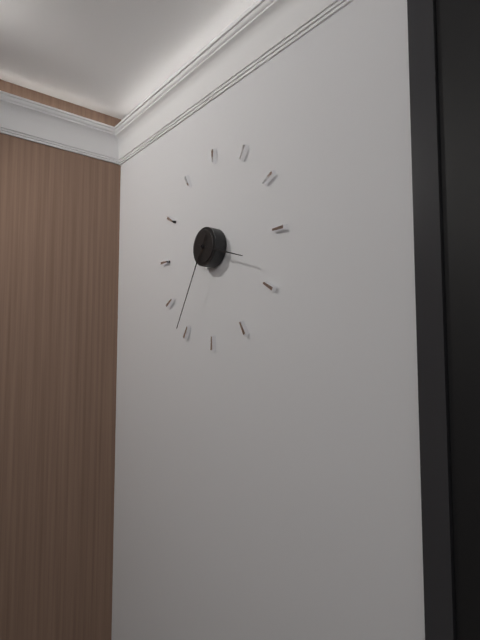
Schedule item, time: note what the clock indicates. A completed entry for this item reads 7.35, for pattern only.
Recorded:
3.35
